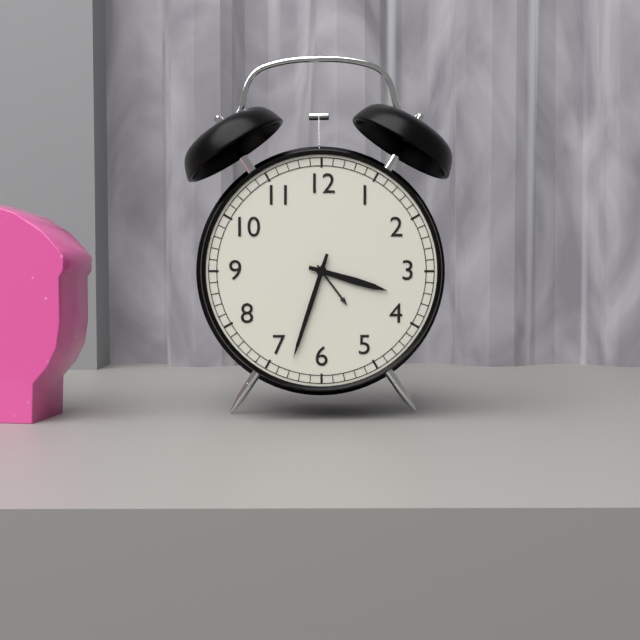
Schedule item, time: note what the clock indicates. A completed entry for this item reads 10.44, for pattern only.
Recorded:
3.33
